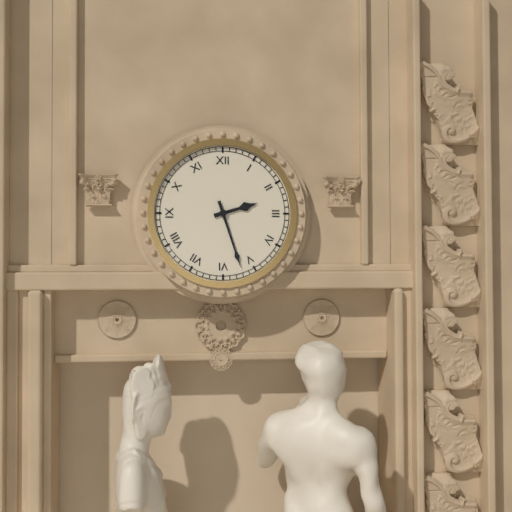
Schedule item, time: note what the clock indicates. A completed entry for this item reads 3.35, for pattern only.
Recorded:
2.27
